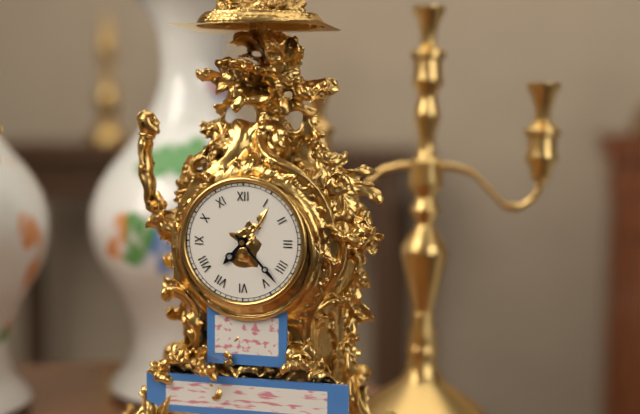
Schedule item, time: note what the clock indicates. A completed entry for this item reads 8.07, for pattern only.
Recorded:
7.23
